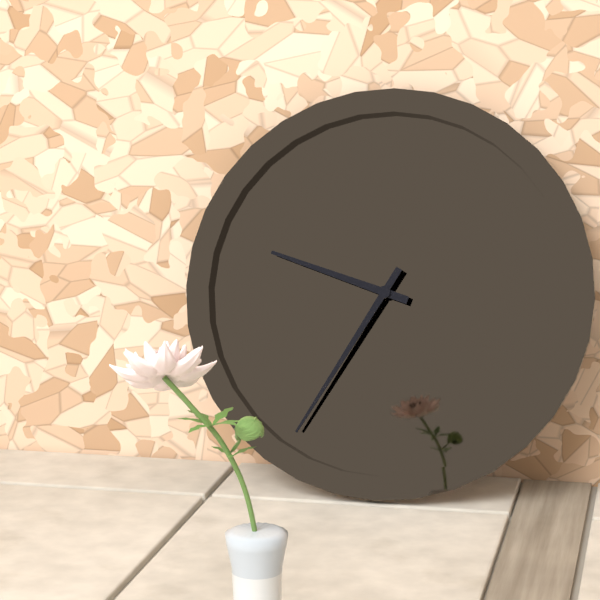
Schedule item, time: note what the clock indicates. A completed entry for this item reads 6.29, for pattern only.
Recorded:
9.35
